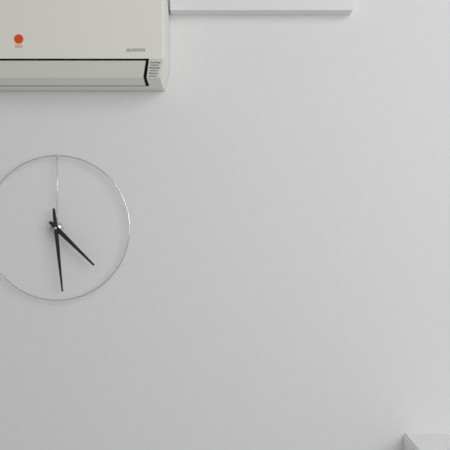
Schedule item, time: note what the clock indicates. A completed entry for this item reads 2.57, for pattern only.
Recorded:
4.29
